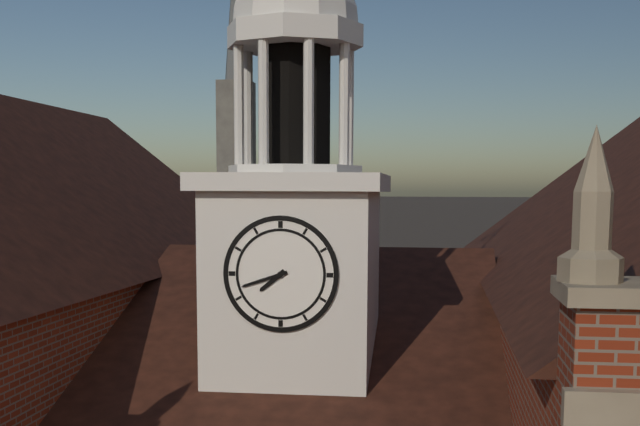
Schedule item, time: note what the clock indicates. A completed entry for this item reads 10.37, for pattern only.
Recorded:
7.42
